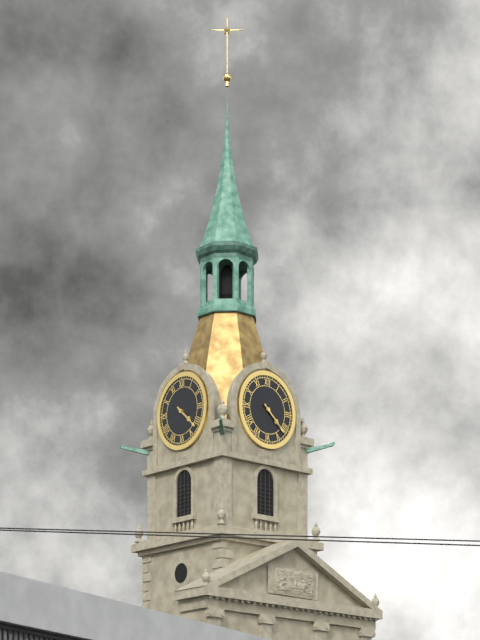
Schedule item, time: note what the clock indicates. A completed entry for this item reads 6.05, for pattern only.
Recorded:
4.22
